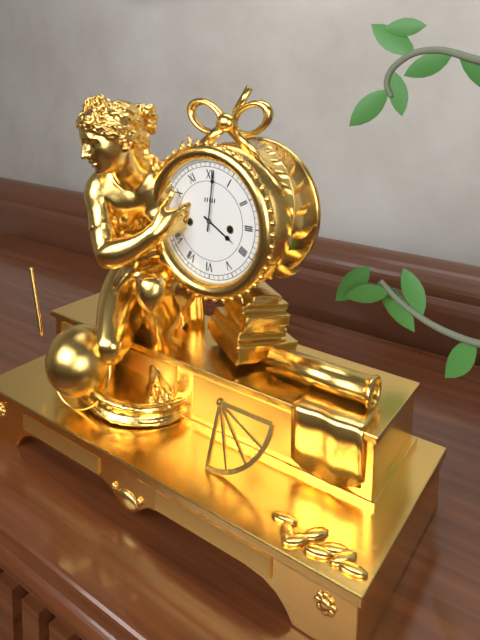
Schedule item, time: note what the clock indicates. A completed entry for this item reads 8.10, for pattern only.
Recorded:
4.01
